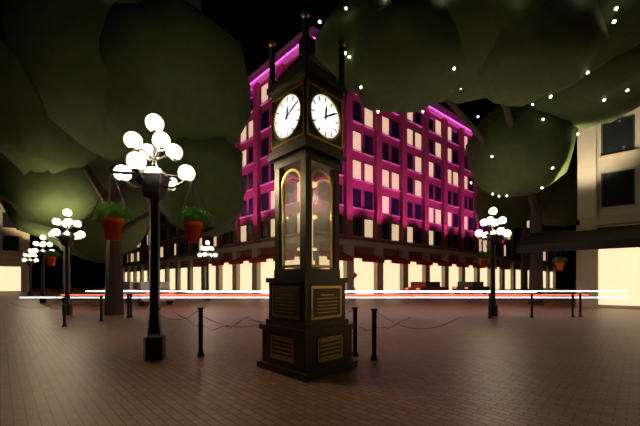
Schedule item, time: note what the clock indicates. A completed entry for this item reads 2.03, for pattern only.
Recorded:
12.10
